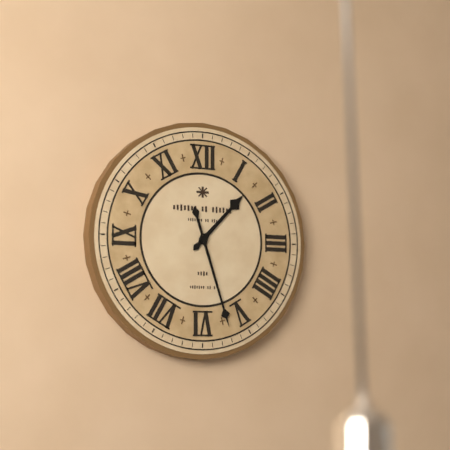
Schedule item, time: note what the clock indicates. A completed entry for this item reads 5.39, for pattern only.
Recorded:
1.27
